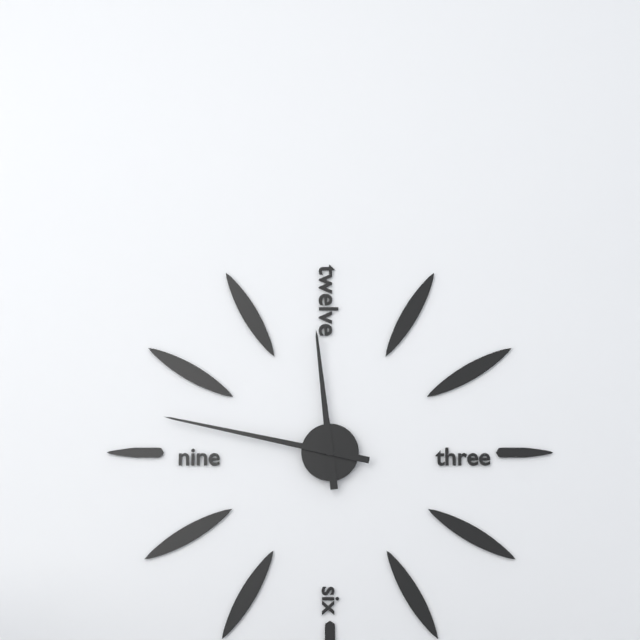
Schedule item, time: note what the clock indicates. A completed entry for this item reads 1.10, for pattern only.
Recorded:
11.47
